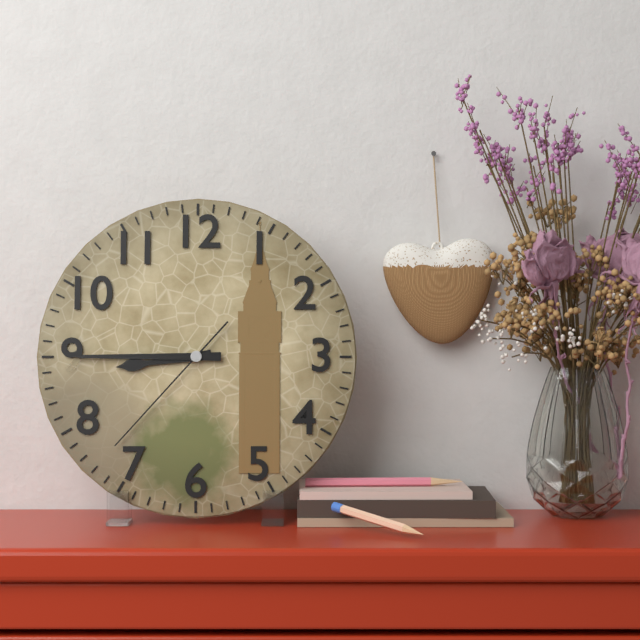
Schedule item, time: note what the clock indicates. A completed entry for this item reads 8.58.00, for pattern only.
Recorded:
8.45.37
